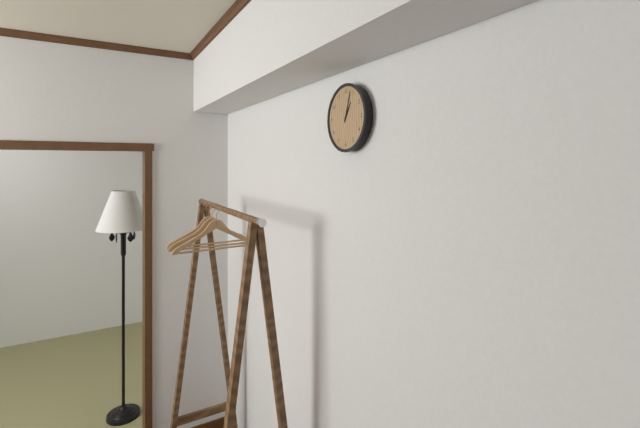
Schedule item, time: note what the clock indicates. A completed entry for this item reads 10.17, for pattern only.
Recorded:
1.03
